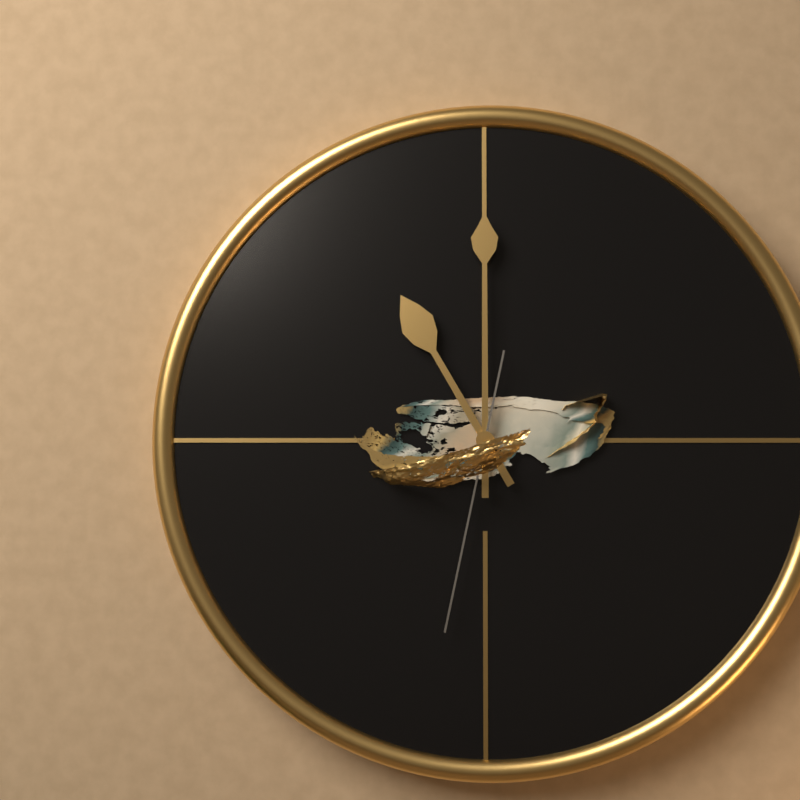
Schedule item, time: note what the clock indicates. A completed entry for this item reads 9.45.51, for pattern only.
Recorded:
11.00.32
